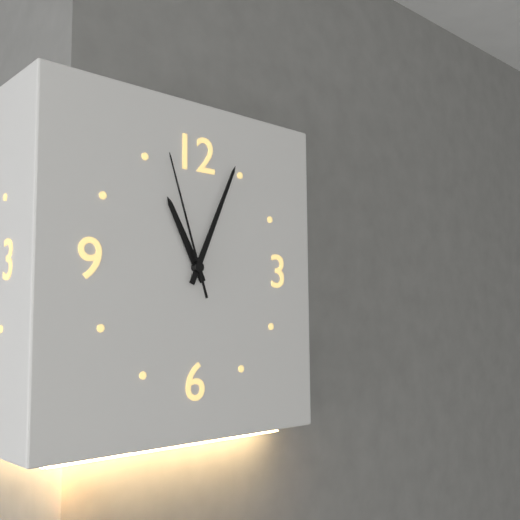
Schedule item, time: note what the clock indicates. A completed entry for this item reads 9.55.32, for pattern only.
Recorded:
11.04.57
